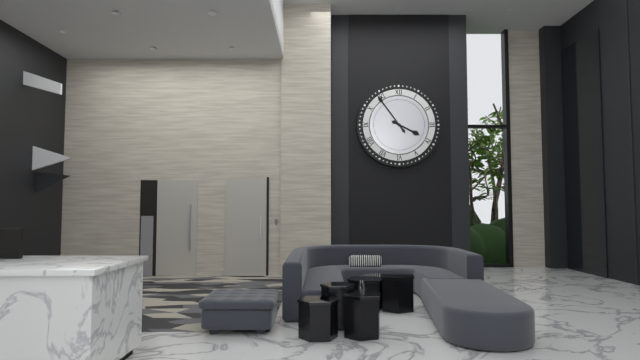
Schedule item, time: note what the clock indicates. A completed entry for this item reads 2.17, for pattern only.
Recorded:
3.54
